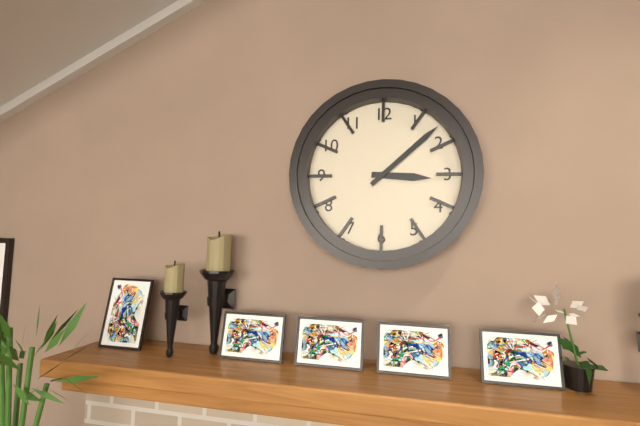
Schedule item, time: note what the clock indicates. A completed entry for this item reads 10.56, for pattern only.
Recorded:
3.08
